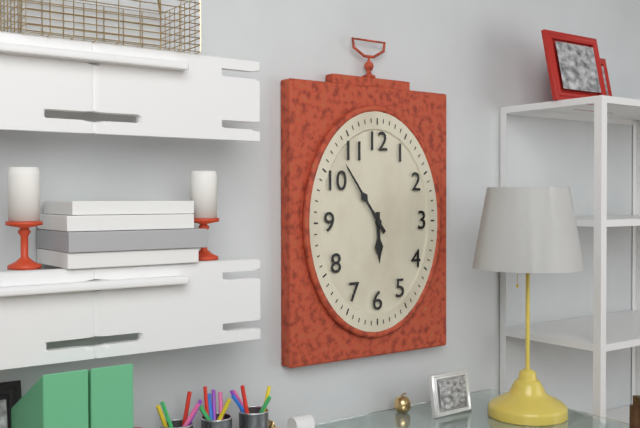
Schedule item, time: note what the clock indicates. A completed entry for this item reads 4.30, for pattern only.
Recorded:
5.54
